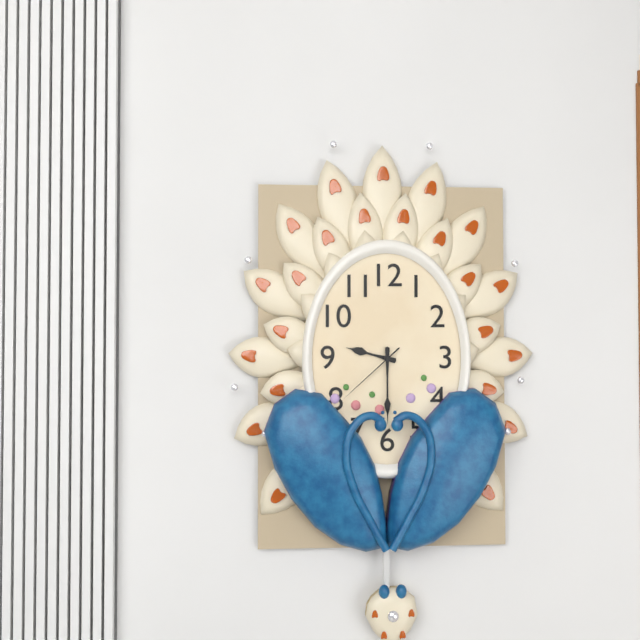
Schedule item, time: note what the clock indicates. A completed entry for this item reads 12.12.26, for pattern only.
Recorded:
9.30.38
